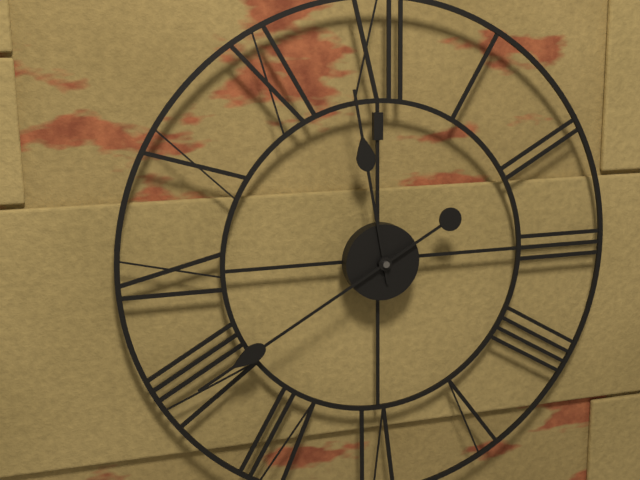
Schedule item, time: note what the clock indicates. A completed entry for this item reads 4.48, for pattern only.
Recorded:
11.40
